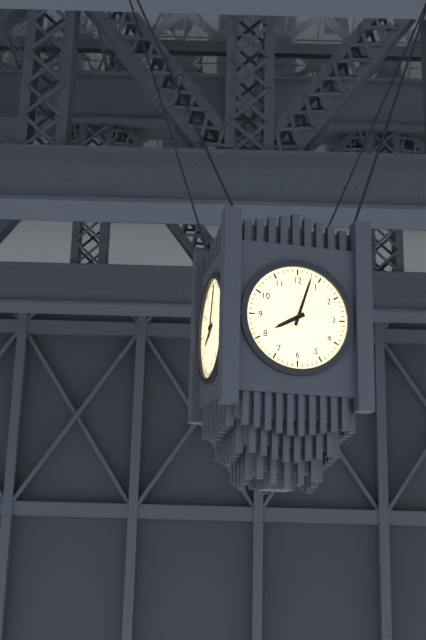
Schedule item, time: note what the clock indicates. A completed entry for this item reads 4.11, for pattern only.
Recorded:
8.03
